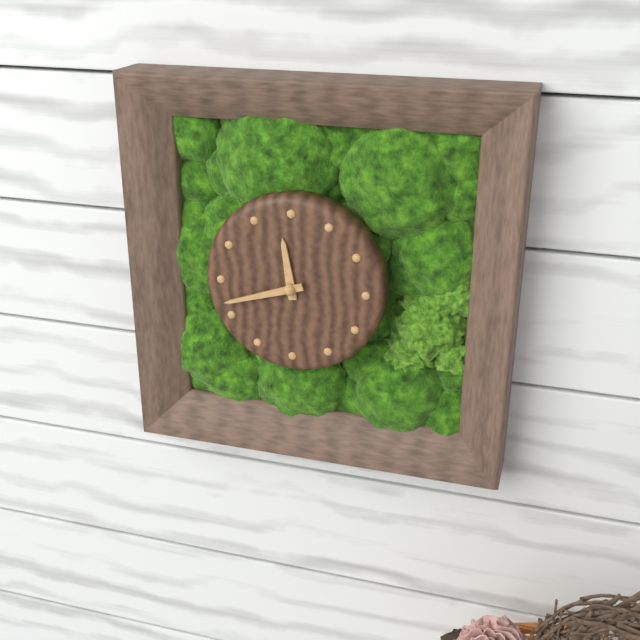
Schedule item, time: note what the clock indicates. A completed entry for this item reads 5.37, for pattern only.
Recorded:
11.42
